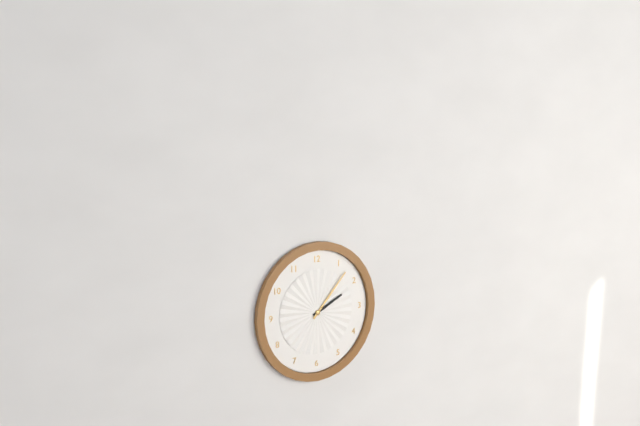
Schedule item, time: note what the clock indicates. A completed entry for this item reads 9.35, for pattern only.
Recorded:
2.07
